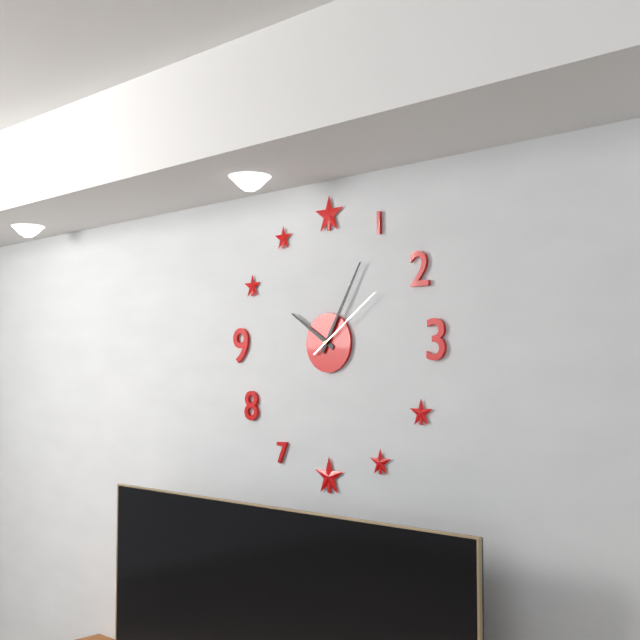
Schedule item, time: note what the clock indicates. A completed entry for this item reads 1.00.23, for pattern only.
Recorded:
10.05.09
